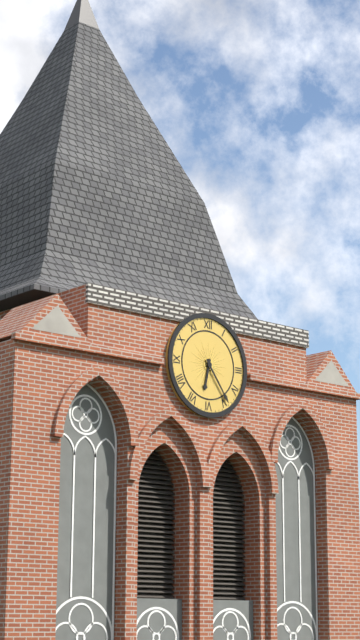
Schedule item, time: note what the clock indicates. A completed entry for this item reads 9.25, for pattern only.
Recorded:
6.24
